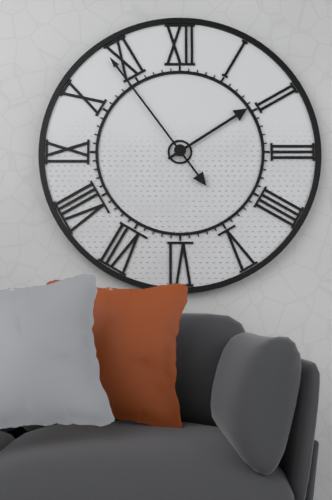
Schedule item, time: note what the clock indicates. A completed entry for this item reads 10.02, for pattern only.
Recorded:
1.54
